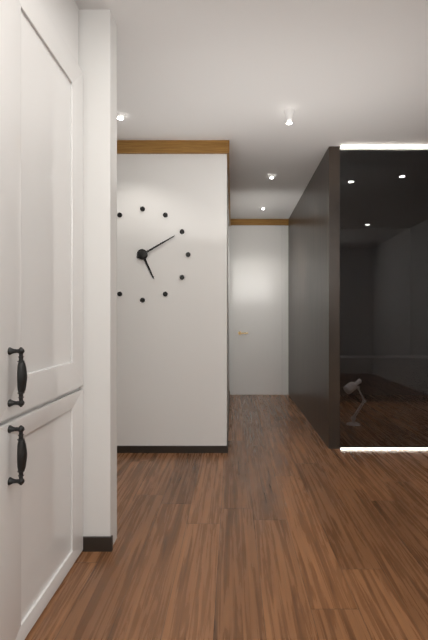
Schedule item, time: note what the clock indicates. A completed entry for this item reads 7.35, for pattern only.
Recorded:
5.10
